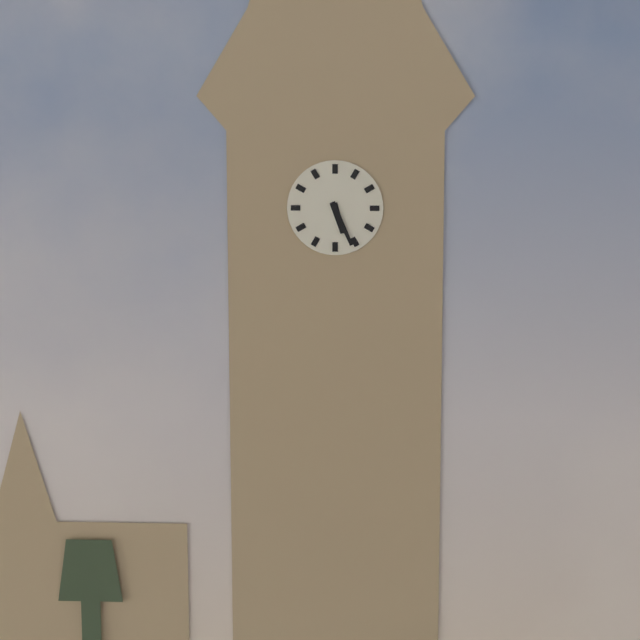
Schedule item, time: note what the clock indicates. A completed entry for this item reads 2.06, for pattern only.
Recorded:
5.26
